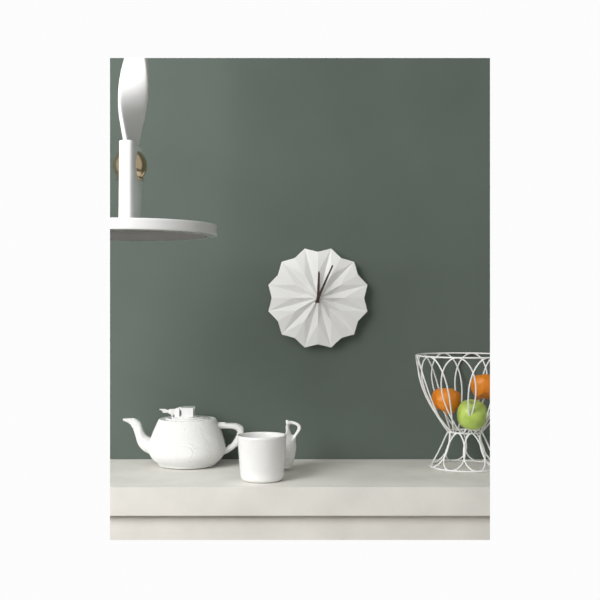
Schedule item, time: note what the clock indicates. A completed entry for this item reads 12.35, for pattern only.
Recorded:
12.04
